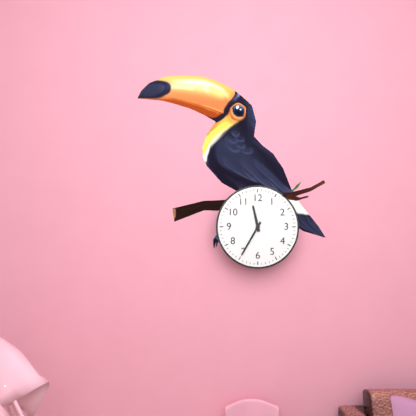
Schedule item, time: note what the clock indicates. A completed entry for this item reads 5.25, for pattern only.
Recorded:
11.35
